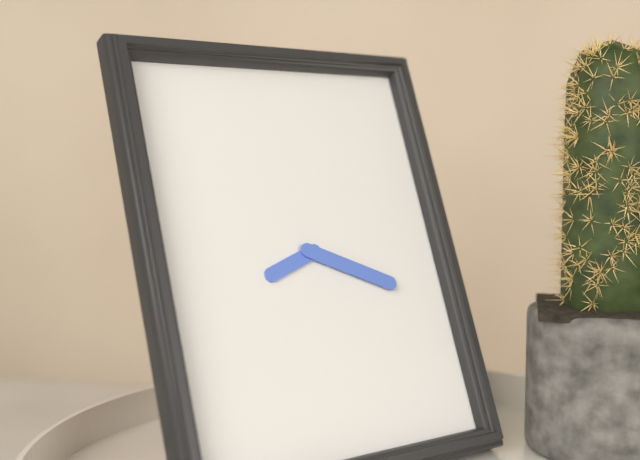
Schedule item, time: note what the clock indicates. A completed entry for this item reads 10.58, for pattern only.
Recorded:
8.19
